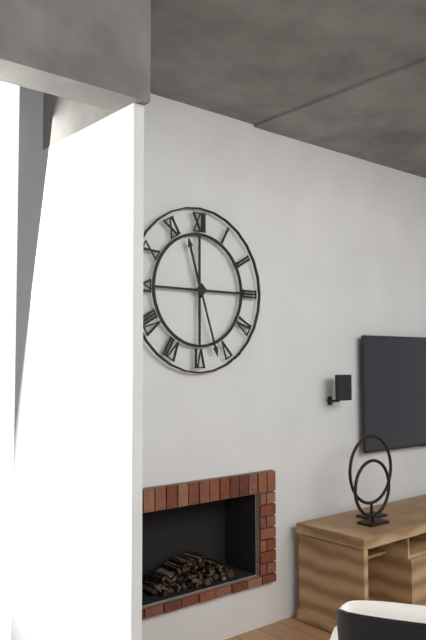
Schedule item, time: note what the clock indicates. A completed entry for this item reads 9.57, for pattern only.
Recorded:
11.27
